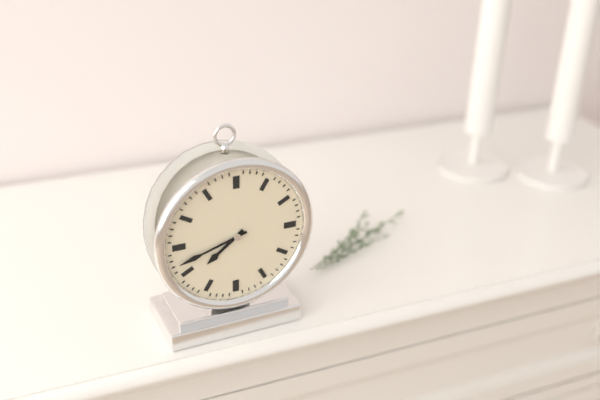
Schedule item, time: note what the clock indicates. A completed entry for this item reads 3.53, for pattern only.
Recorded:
7.42
